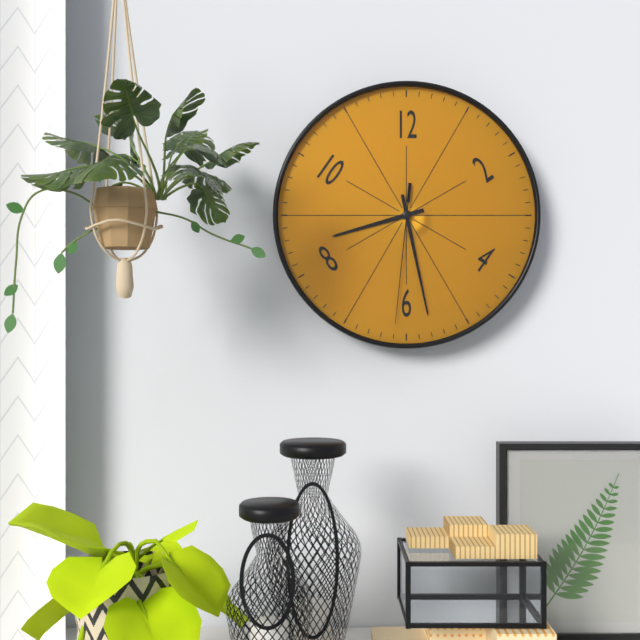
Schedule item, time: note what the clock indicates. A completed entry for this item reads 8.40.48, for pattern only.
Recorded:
8.28.31
